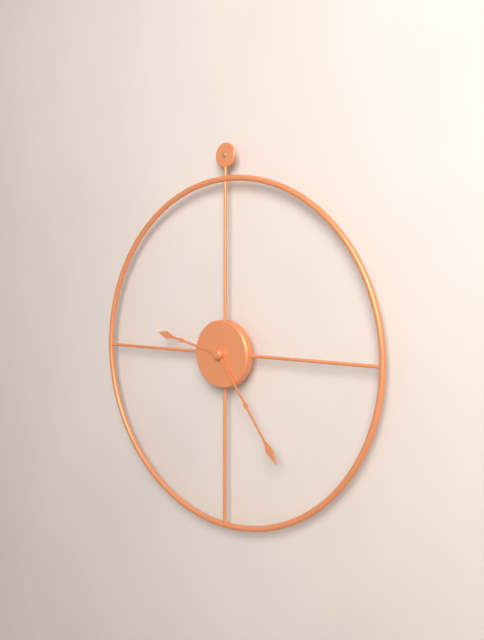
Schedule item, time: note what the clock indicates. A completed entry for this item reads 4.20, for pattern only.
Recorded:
9.24
